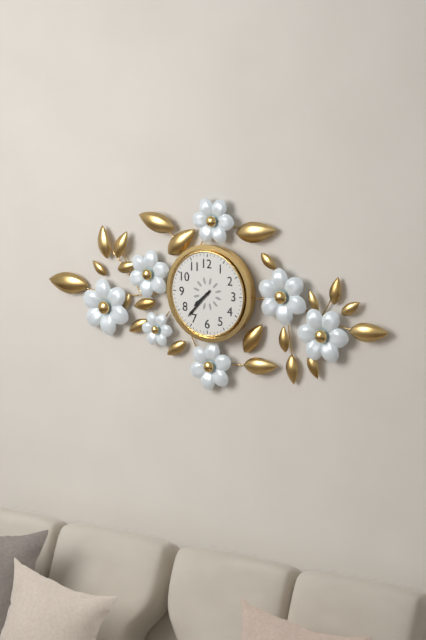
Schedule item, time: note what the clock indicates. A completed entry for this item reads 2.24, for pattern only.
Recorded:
7.37
